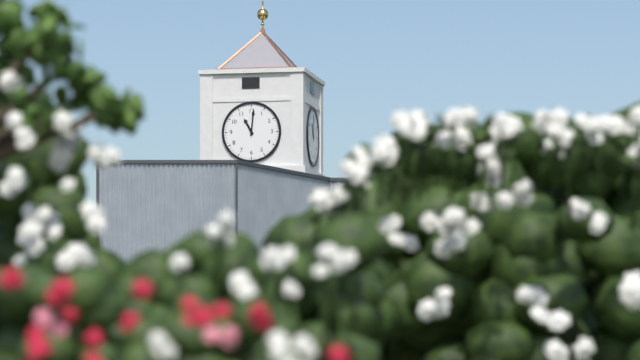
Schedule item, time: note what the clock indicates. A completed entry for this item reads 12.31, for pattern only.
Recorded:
11.01
